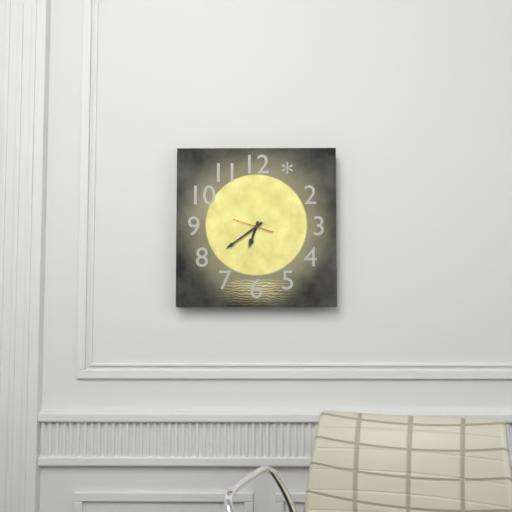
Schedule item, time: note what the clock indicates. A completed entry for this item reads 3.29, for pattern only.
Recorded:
6.39
